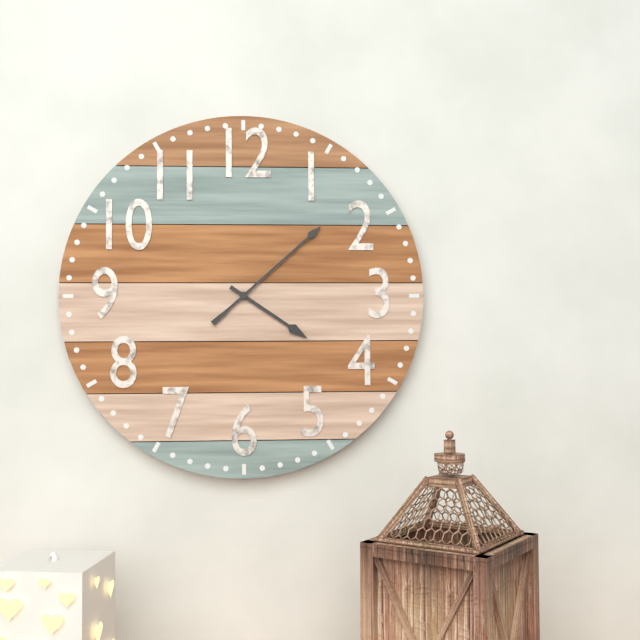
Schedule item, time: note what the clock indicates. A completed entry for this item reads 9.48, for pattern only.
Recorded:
4.08
